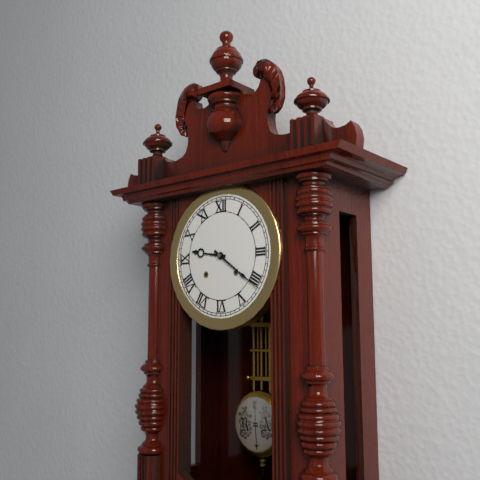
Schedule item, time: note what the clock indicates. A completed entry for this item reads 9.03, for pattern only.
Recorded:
9.21
